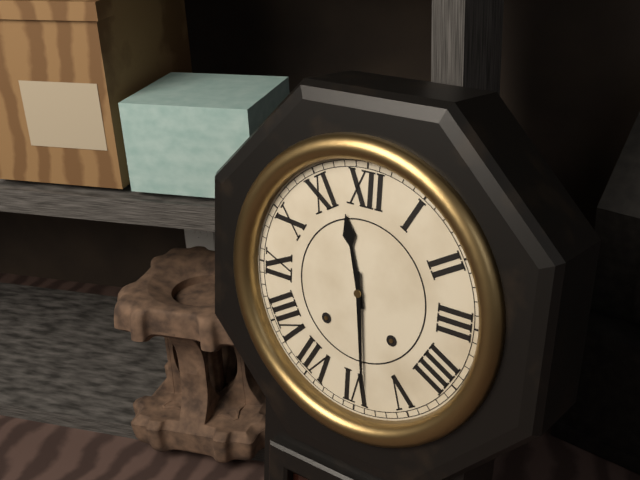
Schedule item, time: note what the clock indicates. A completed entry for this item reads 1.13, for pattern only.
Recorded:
11.29
